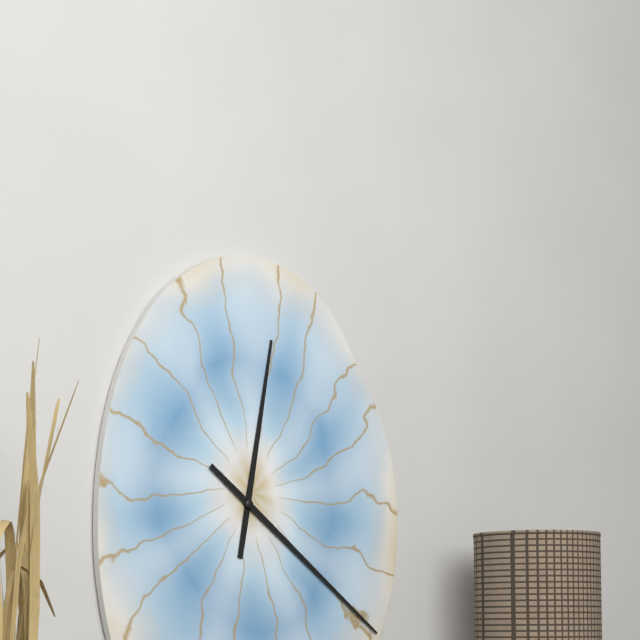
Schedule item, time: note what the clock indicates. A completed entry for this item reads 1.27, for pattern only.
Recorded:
12.21
